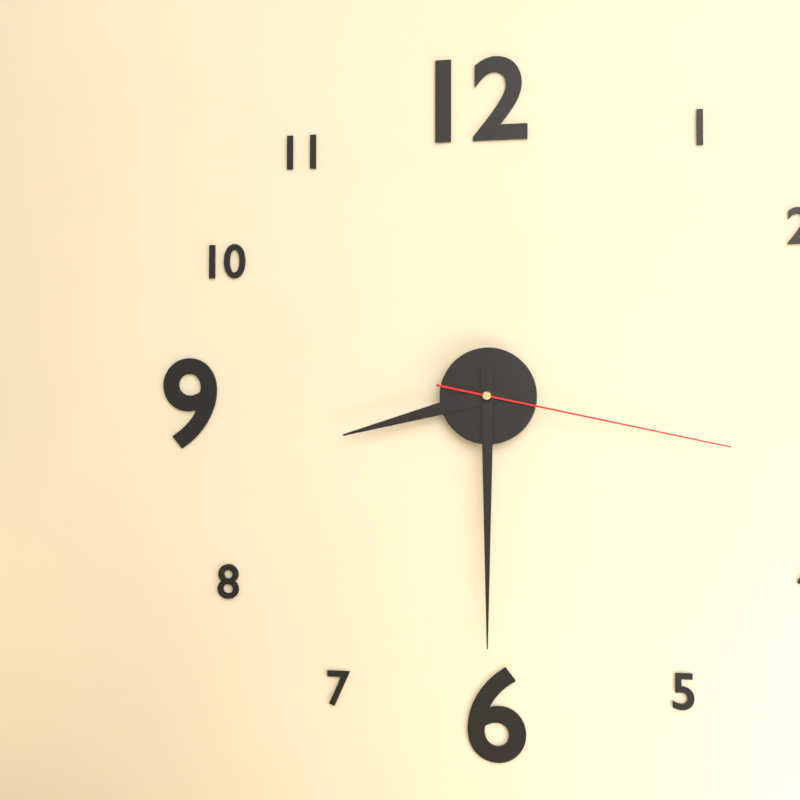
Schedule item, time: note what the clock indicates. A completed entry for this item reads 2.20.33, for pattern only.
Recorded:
8.30.17
